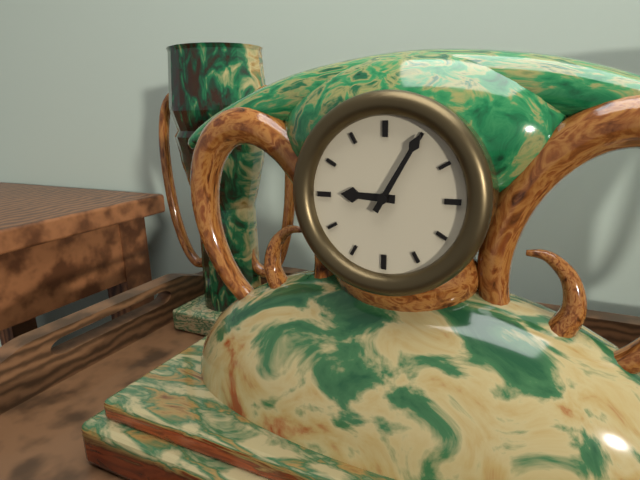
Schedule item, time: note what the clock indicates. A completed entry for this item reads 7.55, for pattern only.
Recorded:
9.05
